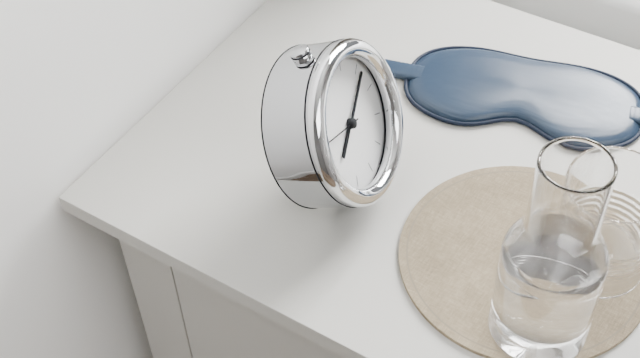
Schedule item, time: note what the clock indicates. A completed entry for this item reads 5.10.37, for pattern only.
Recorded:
8.11.48
